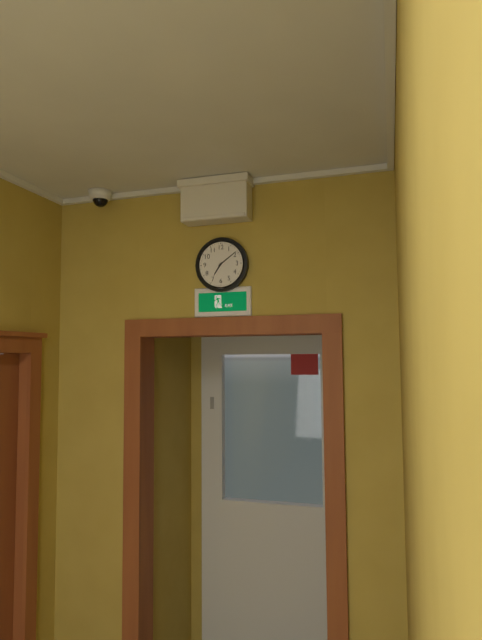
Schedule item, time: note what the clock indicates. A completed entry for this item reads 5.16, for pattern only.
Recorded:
7.09
